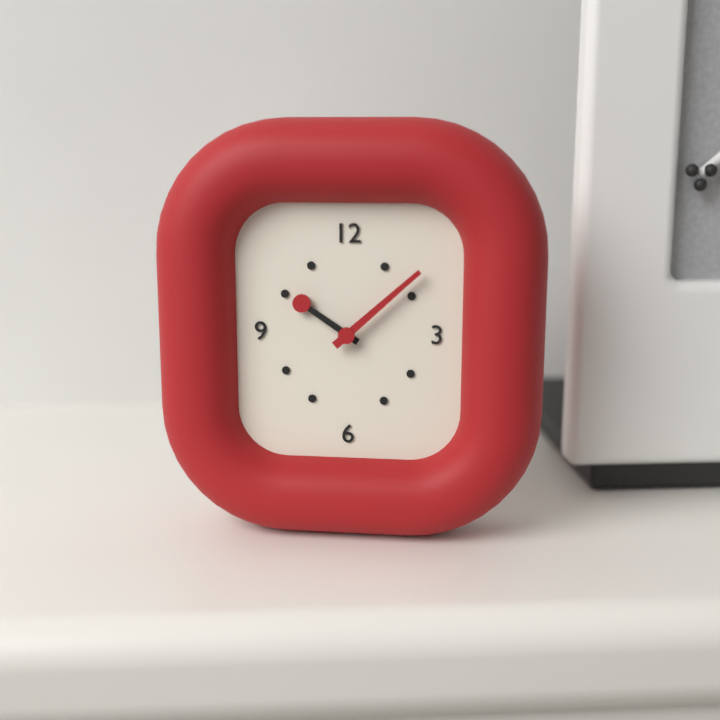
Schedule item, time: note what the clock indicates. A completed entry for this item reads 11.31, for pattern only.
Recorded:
10.08
